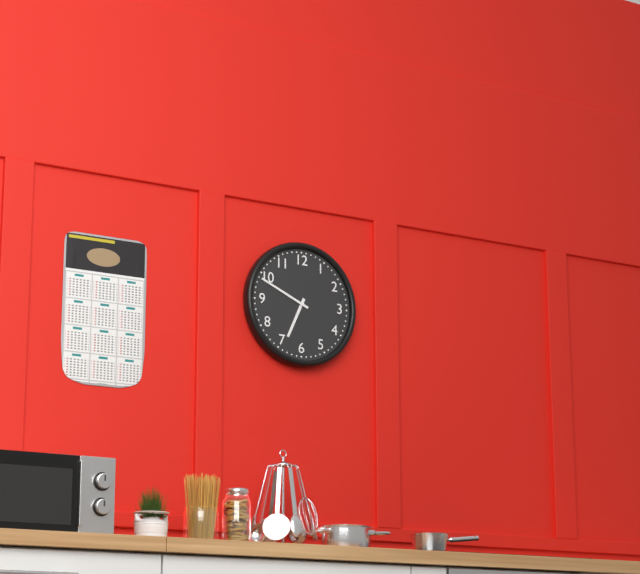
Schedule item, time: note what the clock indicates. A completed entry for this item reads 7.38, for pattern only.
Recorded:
6.49
